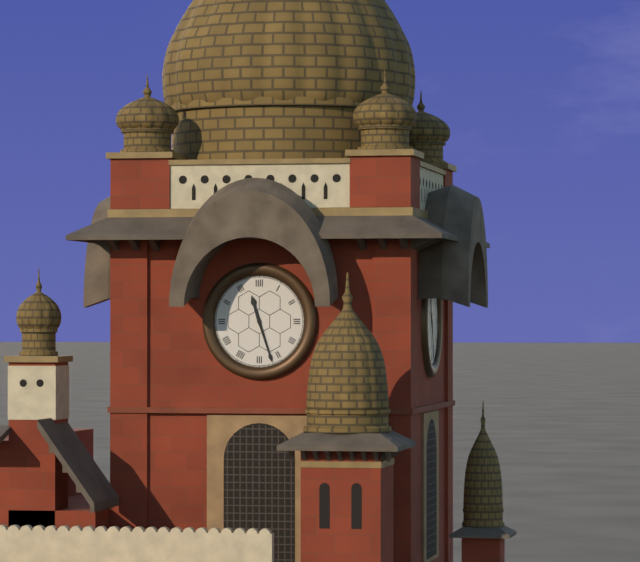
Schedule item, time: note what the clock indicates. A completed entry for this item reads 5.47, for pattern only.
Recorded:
11.27
